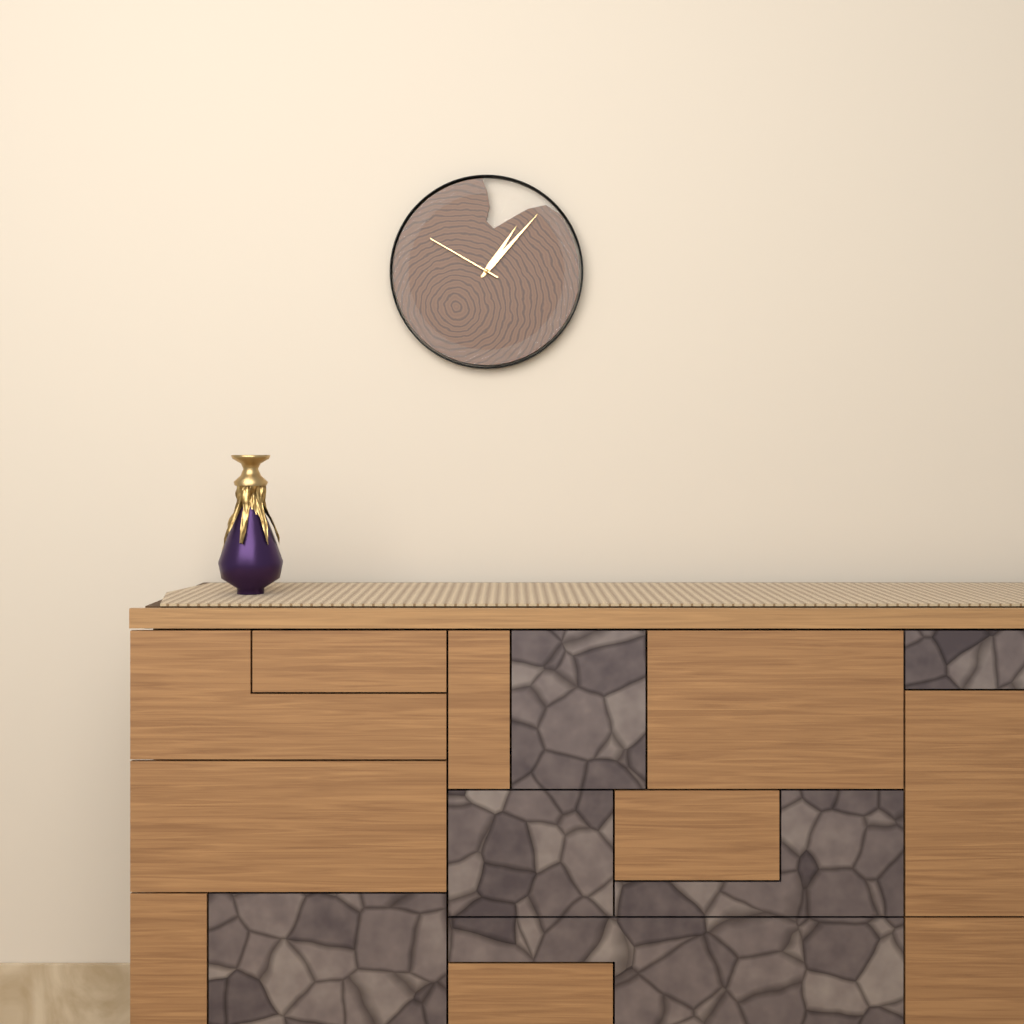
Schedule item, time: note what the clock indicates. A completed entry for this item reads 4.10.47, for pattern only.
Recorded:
1.07.50
